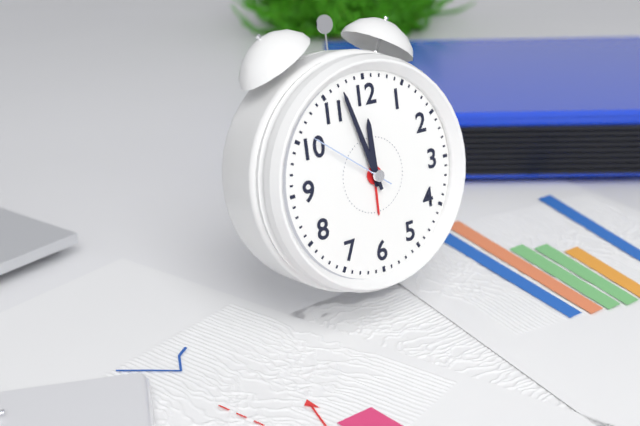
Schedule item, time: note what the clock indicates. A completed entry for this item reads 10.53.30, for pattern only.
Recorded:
11.57.51
